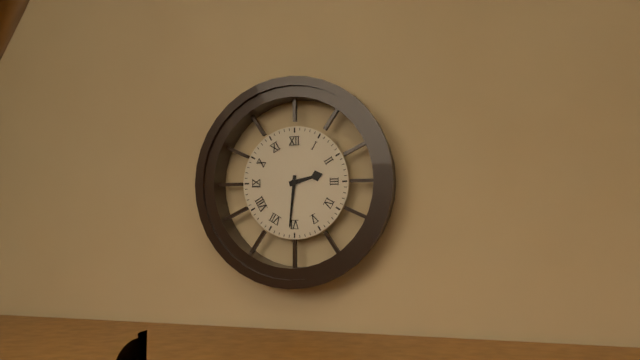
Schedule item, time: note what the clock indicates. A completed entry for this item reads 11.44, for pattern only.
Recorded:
2.31
